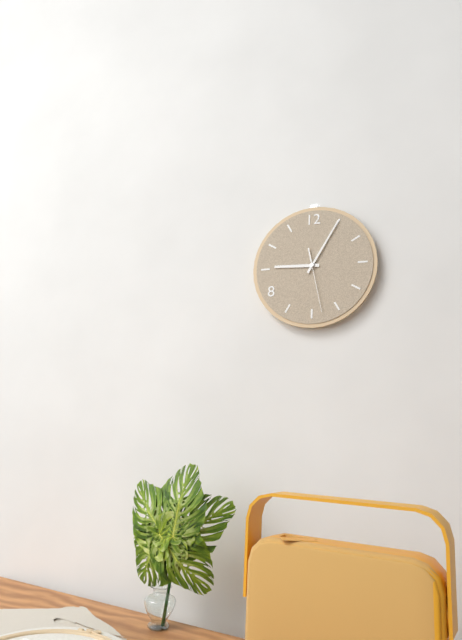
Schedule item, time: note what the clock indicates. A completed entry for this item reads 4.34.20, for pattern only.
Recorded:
9.05.28
